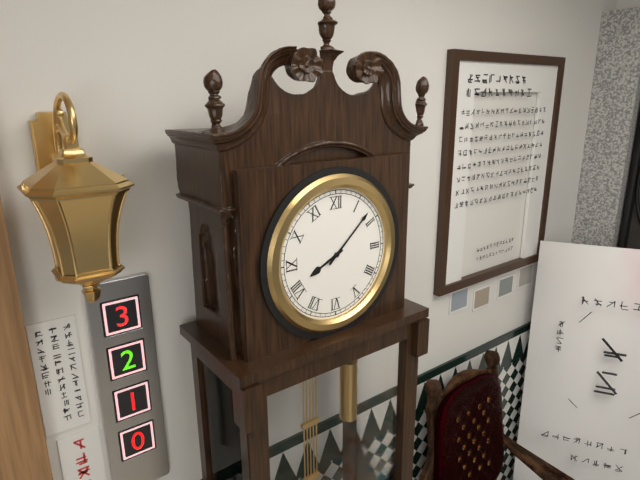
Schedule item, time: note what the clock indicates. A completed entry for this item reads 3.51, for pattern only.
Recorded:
8.08
